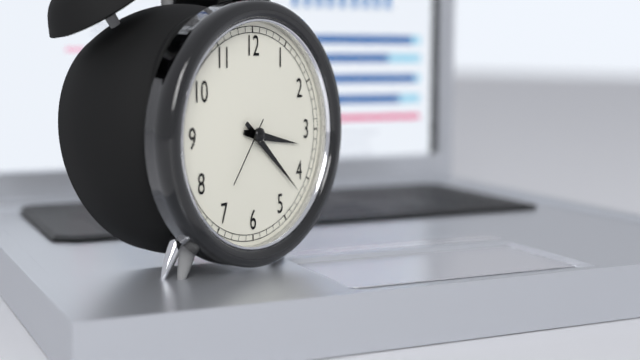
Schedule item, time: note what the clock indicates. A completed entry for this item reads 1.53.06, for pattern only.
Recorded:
3.22.36
